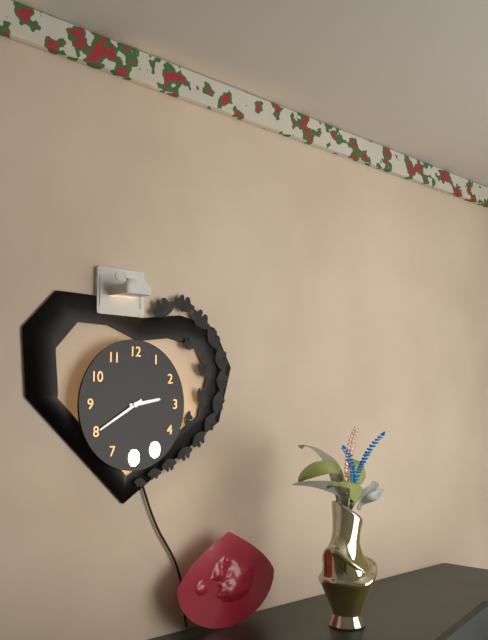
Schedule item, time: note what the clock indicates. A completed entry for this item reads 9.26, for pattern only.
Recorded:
2.40
